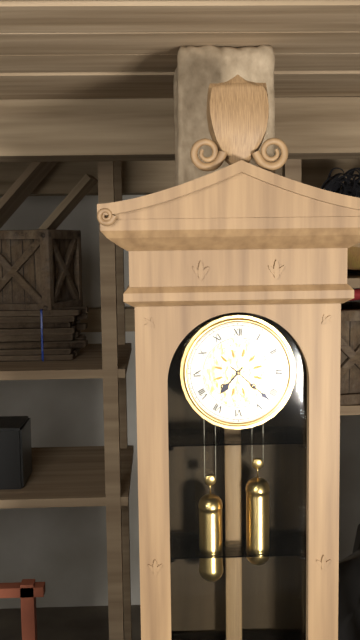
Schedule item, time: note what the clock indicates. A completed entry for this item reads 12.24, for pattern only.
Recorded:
7.22
